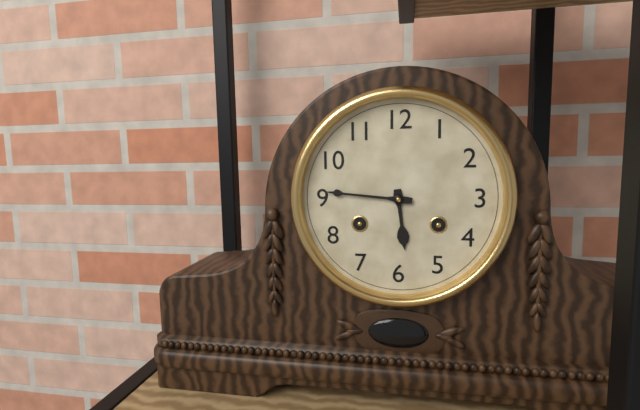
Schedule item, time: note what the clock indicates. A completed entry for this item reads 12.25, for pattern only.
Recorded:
5.46
